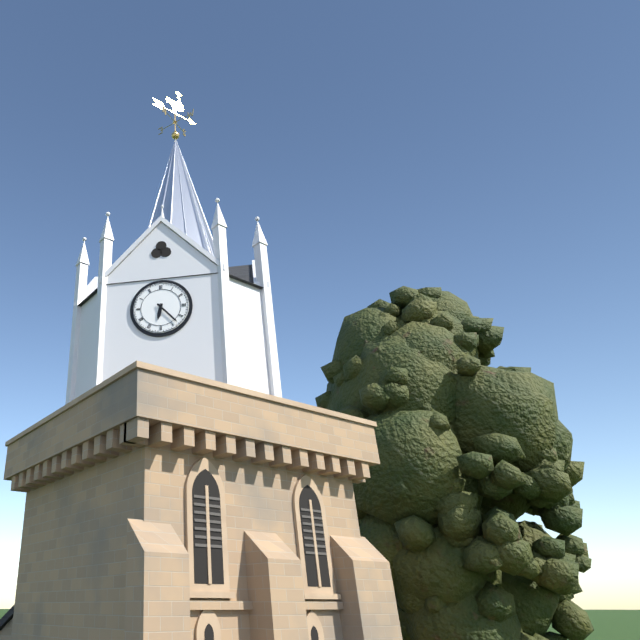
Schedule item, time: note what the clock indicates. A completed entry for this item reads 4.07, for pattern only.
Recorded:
6.23
